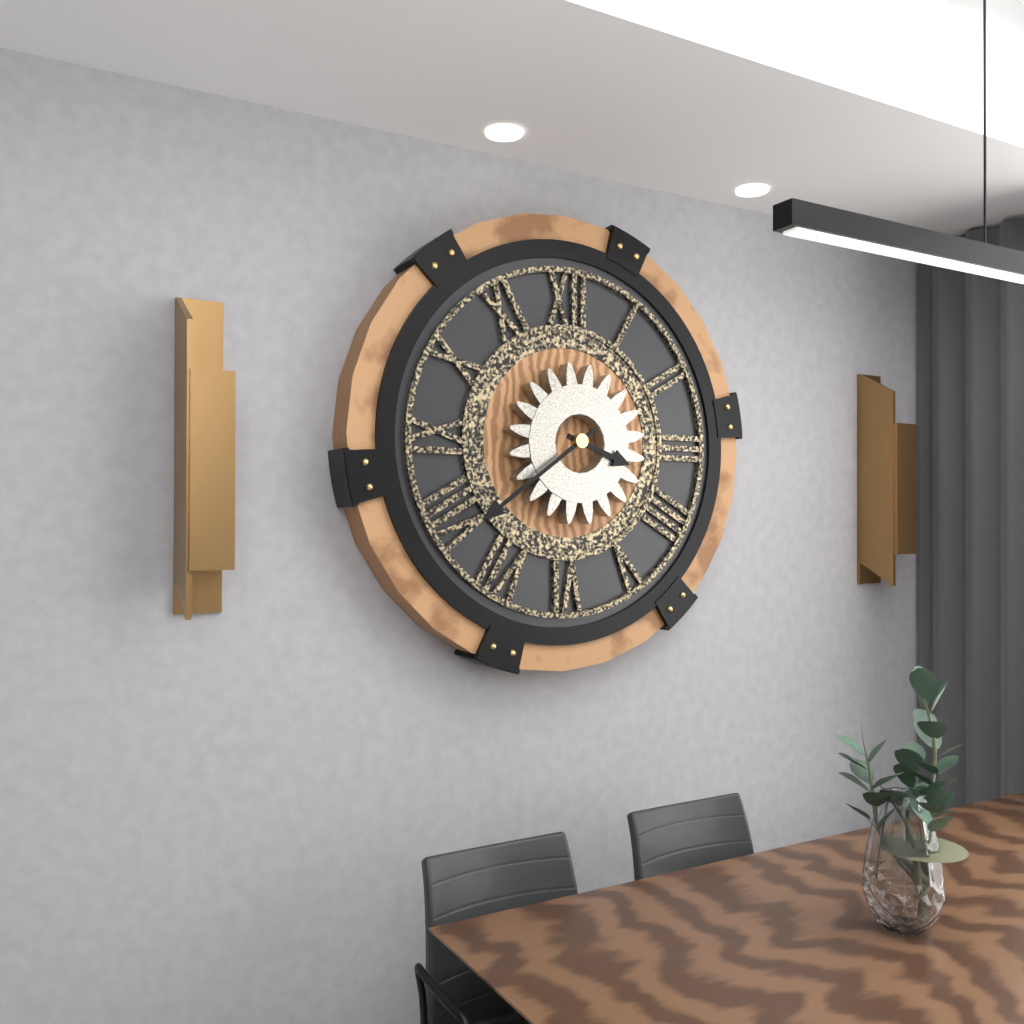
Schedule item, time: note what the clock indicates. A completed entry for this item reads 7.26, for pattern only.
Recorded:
3.39
